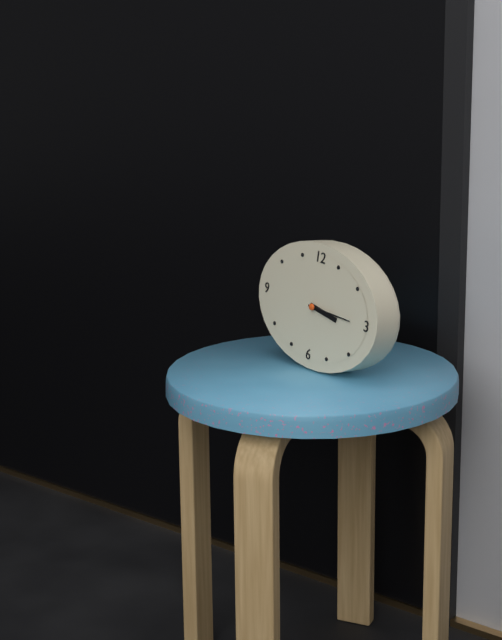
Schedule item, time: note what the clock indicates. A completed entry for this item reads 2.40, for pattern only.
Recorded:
3.15
